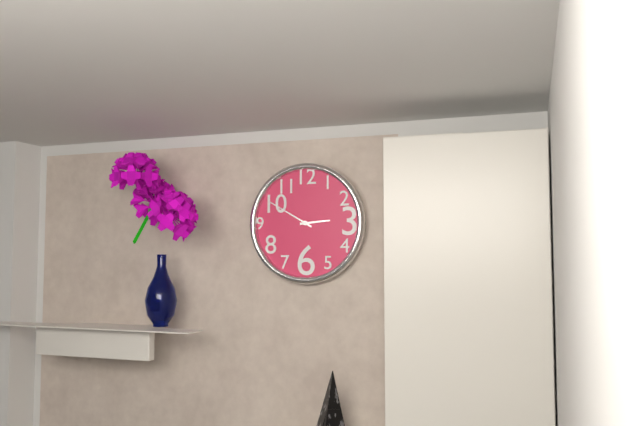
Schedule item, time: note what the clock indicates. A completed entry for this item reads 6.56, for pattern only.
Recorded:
2.50
